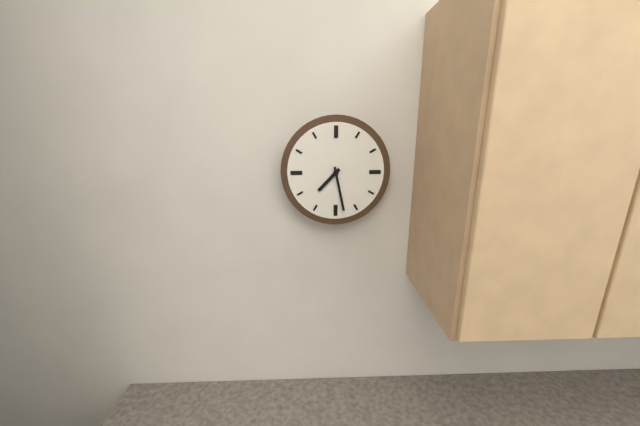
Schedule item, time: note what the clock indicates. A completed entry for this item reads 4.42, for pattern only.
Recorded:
7.28
